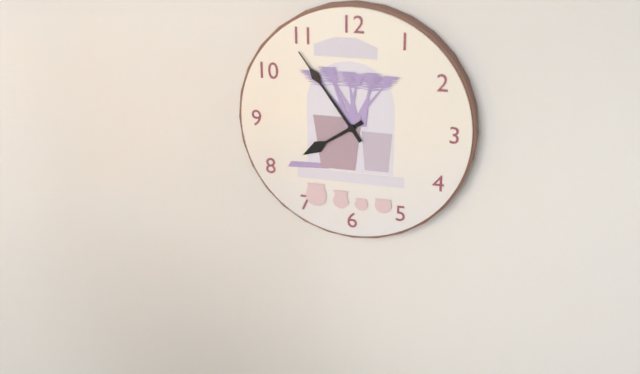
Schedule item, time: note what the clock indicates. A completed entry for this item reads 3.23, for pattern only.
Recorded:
7.54
